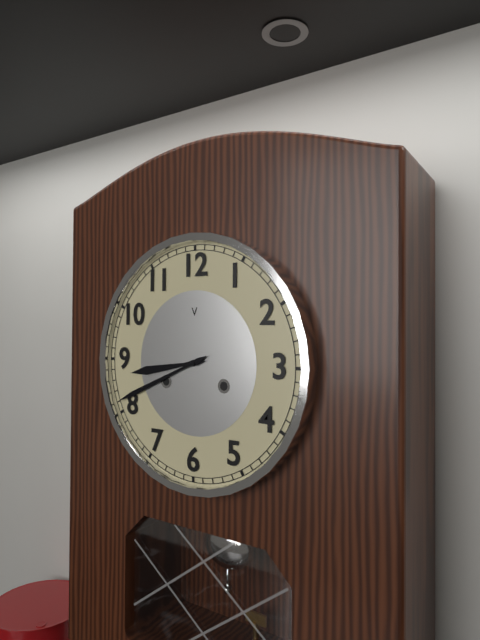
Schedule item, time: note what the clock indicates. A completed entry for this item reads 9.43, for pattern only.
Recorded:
8.41
